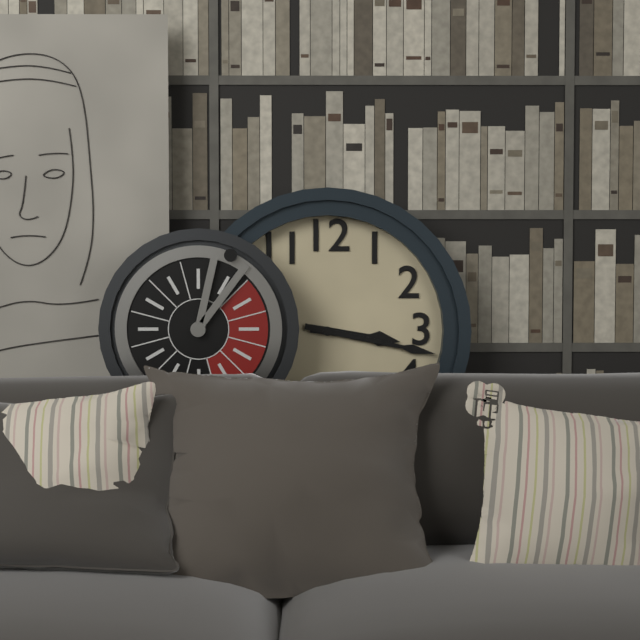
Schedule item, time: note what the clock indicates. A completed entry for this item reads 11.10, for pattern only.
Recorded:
3.17
